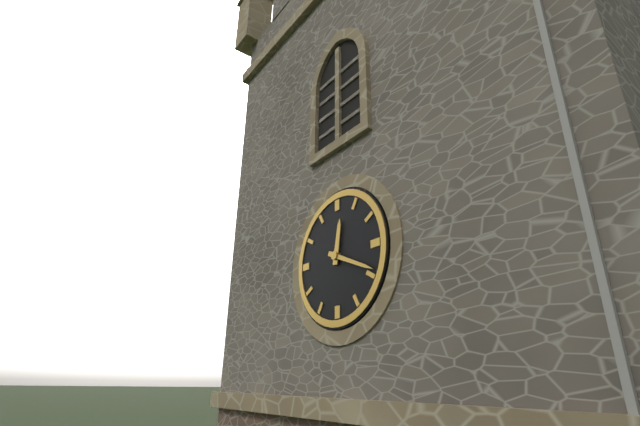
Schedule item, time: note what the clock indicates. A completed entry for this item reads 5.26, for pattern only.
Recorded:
12.19
